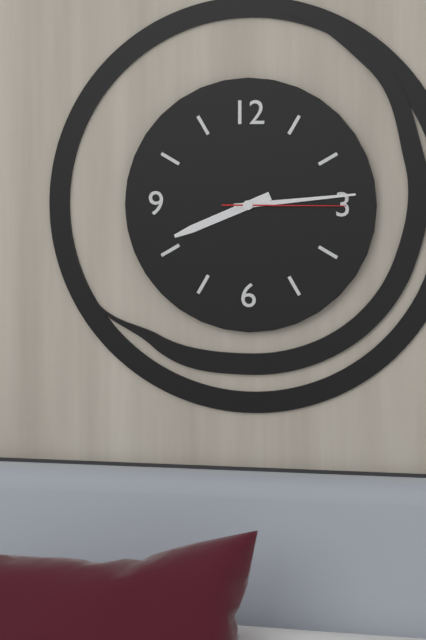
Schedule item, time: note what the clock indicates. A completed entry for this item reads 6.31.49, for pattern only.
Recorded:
8.14.15
